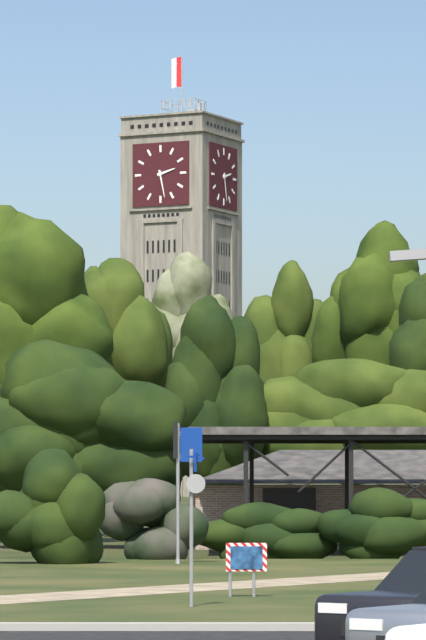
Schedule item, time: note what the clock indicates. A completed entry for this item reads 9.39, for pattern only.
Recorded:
2.28
